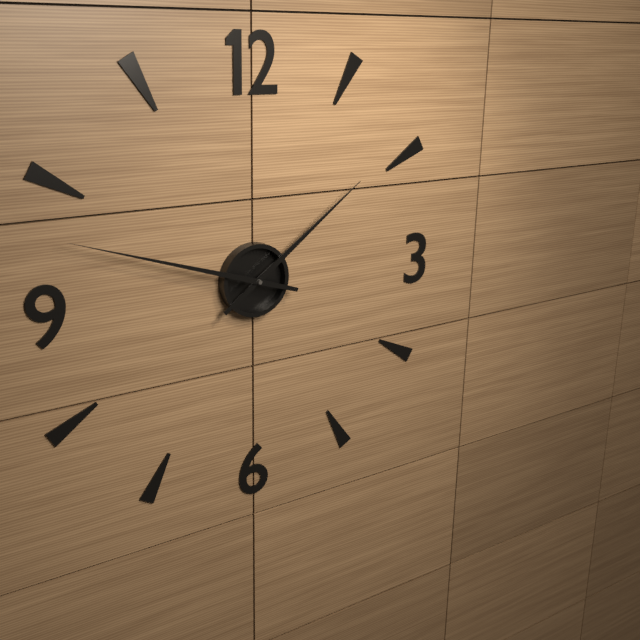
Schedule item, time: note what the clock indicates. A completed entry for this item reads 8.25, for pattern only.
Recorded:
1.48
